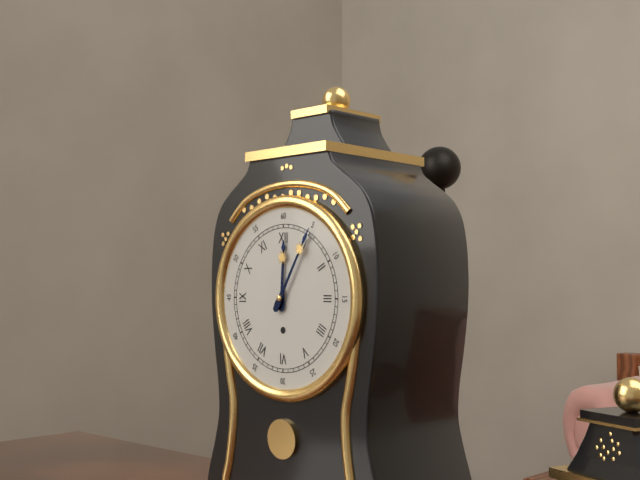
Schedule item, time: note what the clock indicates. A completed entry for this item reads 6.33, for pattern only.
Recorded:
12.05
